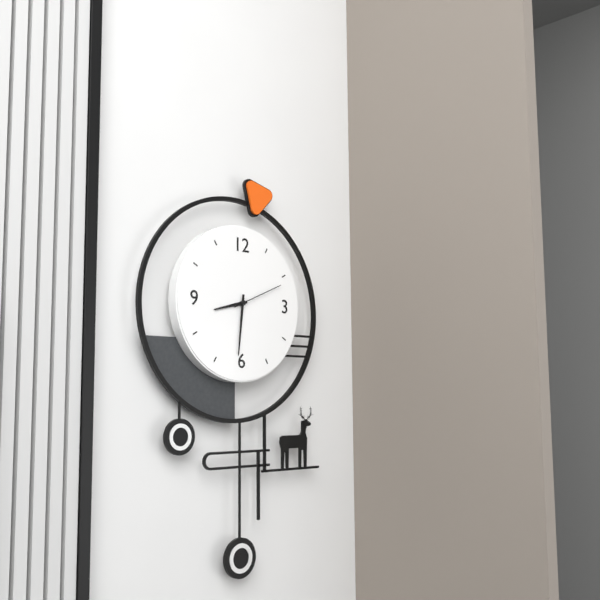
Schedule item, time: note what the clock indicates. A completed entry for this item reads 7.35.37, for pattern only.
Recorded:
8.31.11
